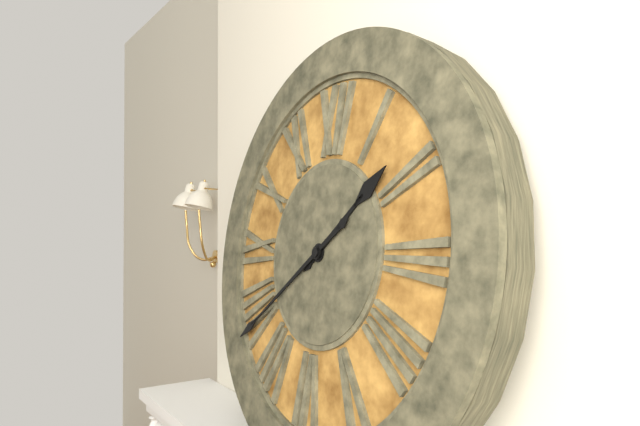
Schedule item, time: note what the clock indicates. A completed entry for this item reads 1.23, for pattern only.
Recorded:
1.39
